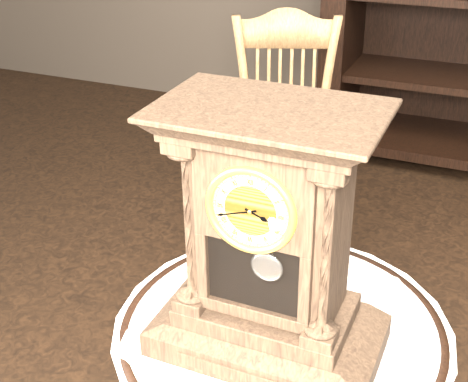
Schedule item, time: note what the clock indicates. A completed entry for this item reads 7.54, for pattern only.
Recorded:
3.42
